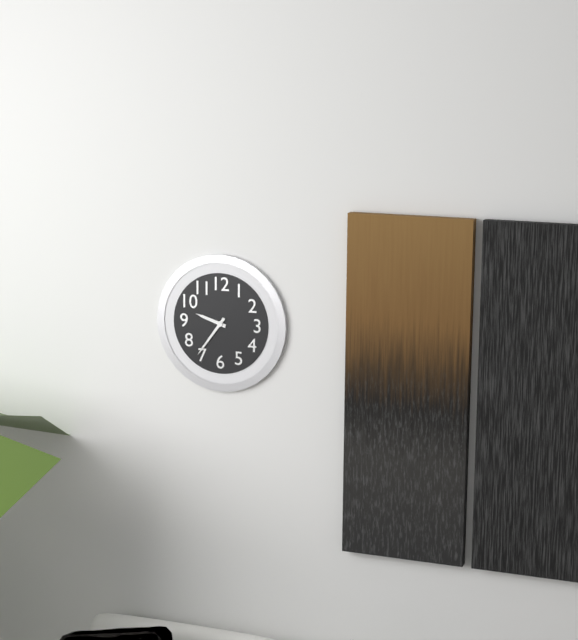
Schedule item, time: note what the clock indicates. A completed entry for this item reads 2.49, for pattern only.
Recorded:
9.36
